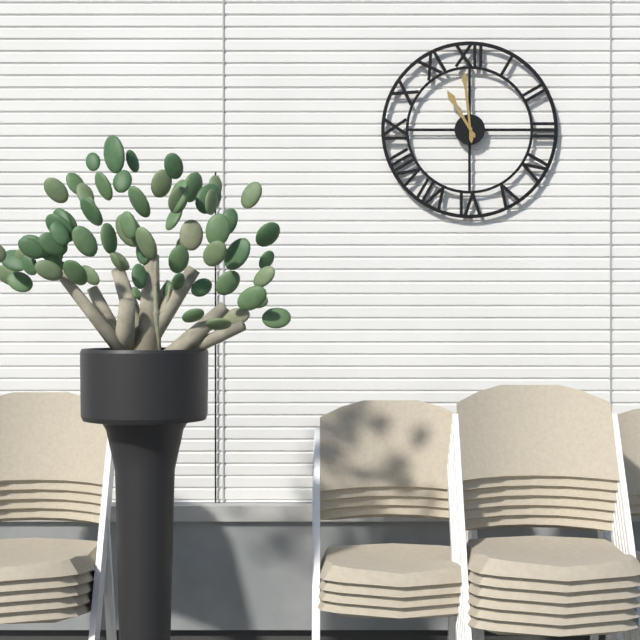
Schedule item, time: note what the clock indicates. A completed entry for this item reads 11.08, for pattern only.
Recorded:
10.59
